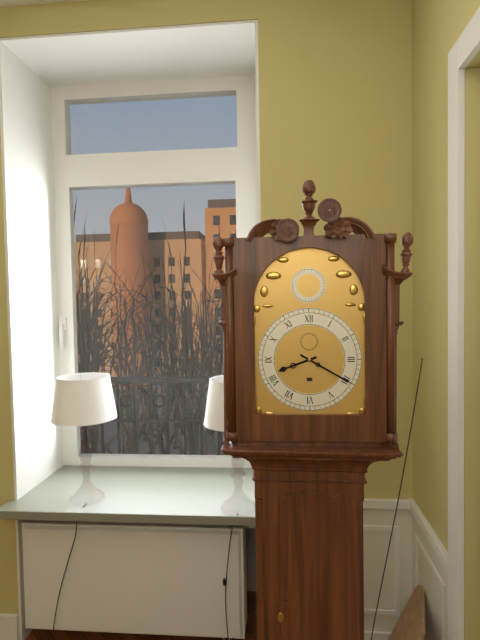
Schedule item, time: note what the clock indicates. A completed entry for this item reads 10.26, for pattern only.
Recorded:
8.20
